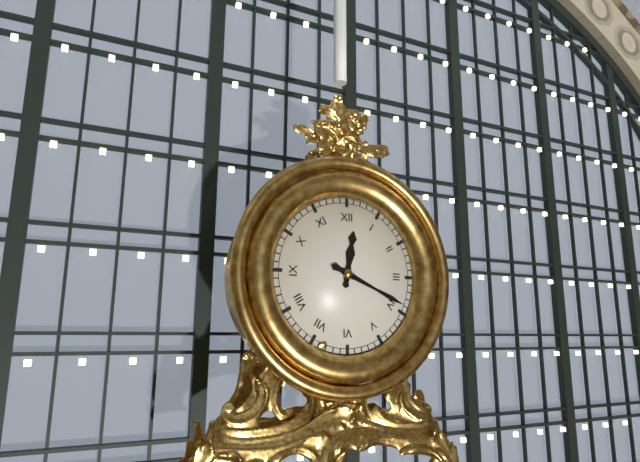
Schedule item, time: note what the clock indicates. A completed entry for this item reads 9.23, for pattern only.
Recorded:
12.19
